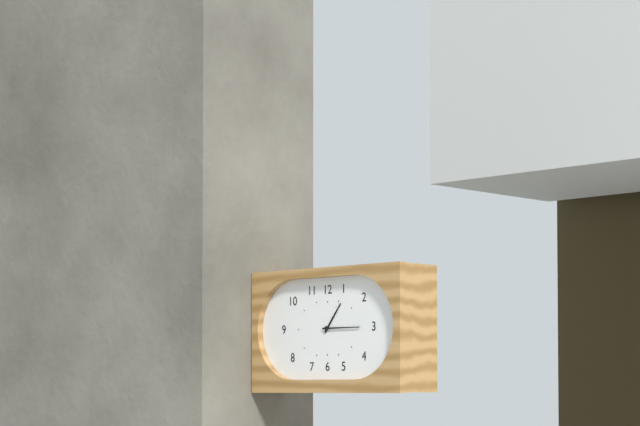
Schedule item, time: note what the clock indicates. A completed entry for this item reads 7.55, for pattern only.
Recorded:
1.15
